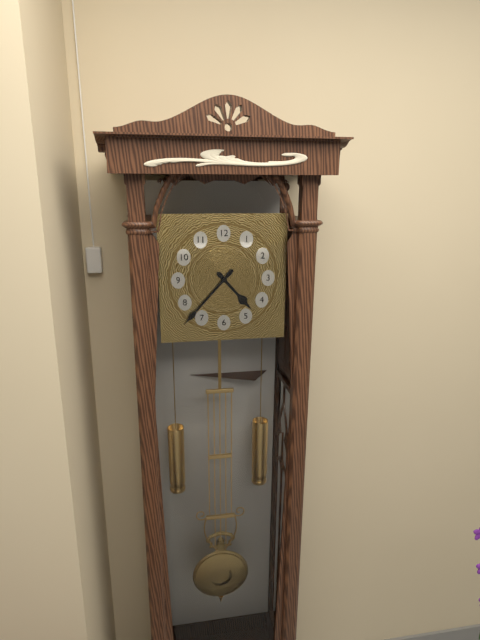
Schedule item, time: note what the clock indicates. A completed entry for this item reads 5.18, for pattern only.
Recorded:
4.37
